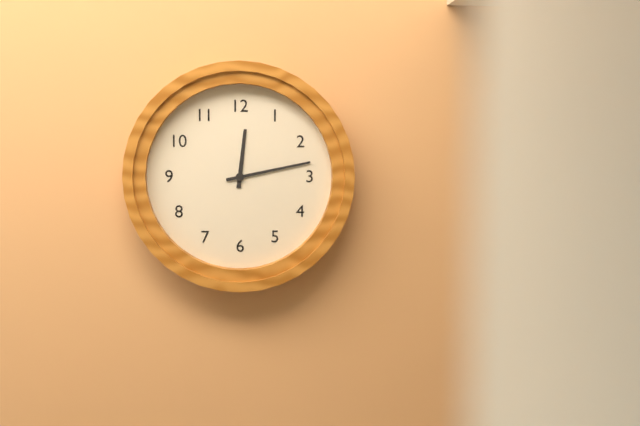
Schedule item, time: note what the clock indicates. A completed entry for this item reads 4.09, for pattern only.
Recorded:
12.13
